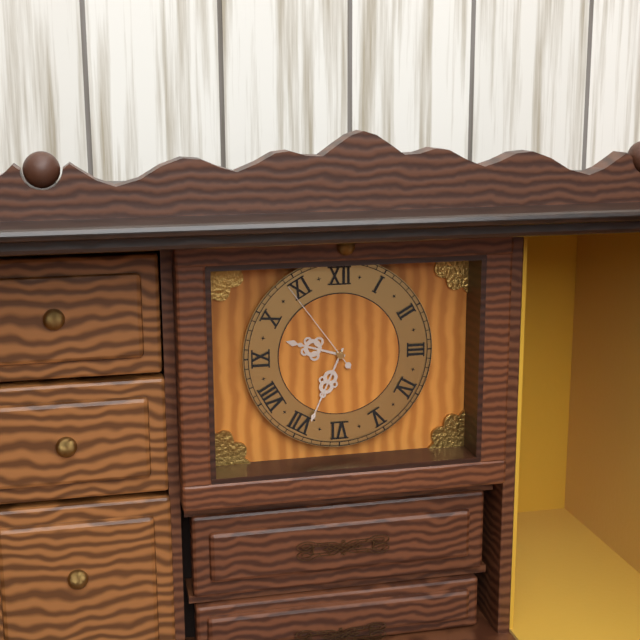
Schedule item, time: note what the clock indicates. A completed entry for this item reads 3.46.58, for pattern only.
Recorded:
9.34.54
